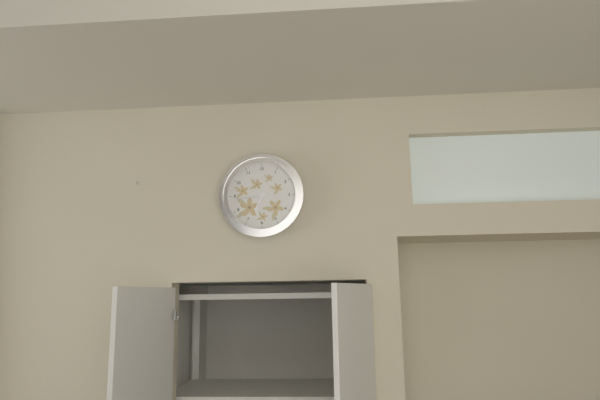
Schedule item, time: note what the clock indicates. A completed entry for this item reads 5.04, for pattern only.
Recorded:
6.44
